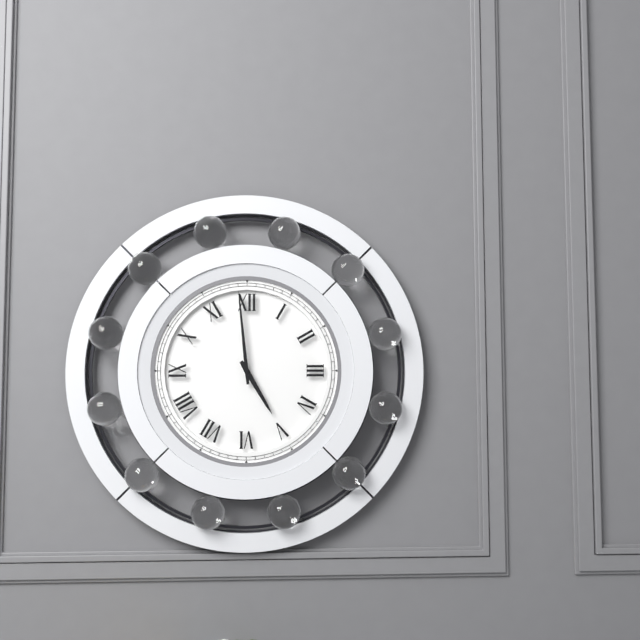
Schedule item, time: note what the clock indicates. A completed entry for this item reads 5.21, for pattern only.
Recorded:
4.59
